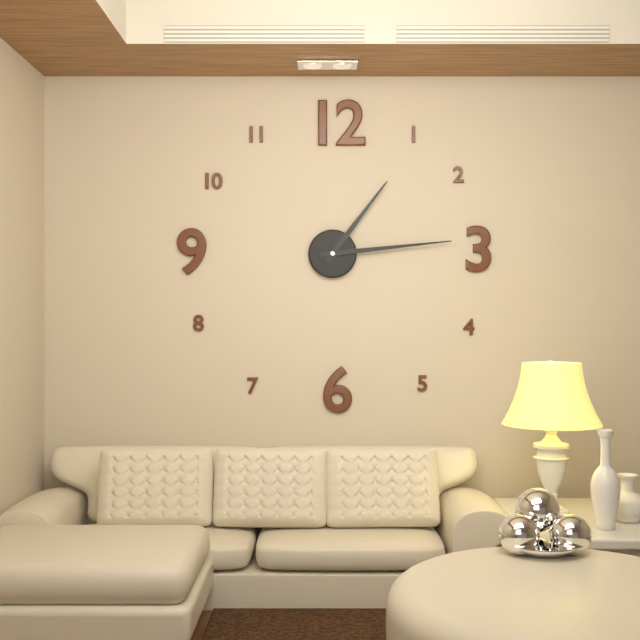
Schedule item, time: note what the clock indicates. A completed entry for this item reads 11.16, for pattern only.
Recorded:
1.14
